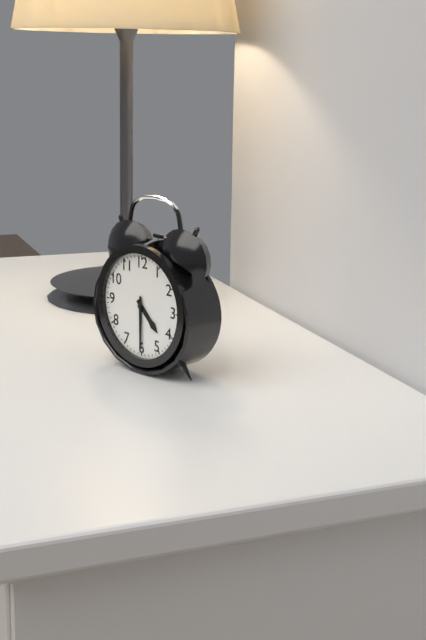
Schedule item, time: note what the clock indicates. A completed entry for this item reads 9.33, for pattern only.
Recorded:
4.30
